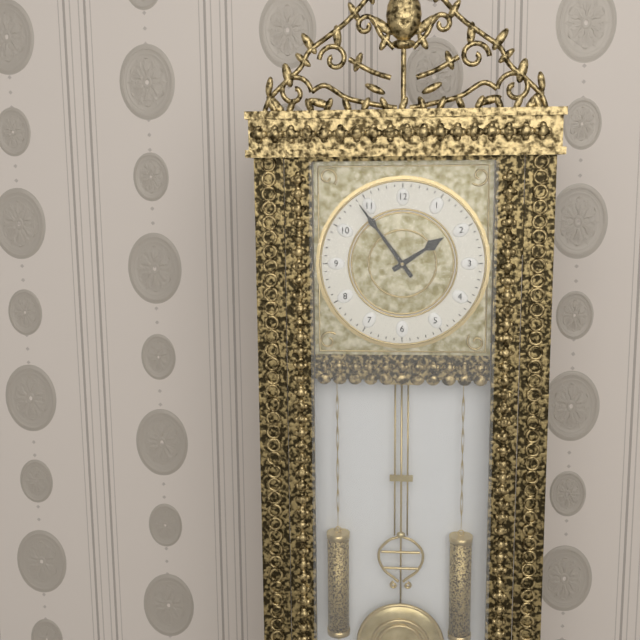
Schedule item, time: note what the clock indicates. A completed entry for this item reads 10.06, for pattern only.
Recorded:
1.54
